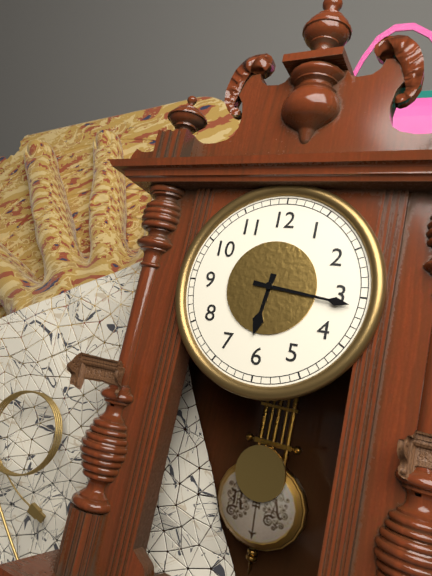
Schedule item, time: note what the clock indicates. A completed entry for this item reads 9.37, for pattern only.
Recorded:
6.16
